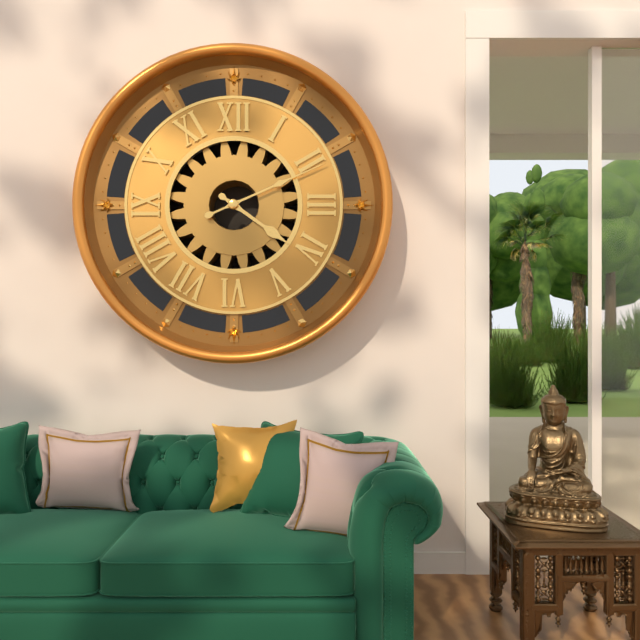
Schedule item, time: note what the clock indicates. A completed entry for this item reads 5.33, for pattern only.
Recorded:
4.11
